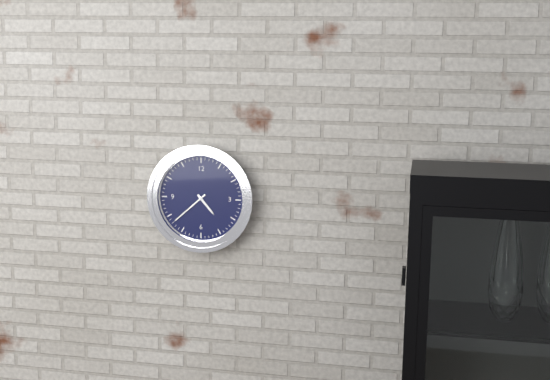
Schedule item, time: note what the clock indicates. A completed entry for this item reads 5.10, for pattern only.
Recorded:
4.38
